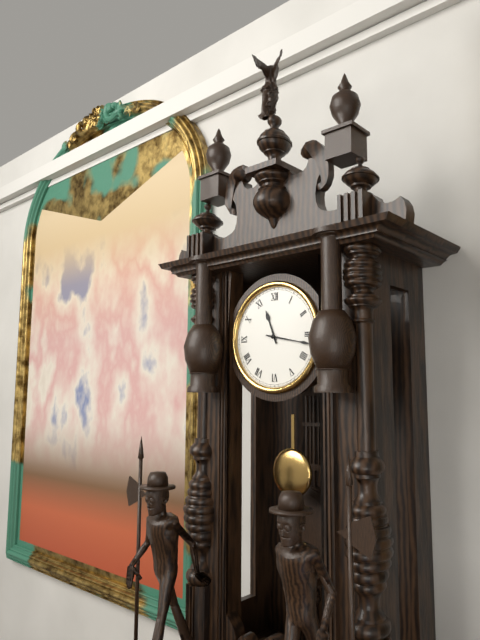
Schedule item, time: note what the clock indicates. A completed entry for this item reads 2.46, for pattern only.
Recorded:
11.17
